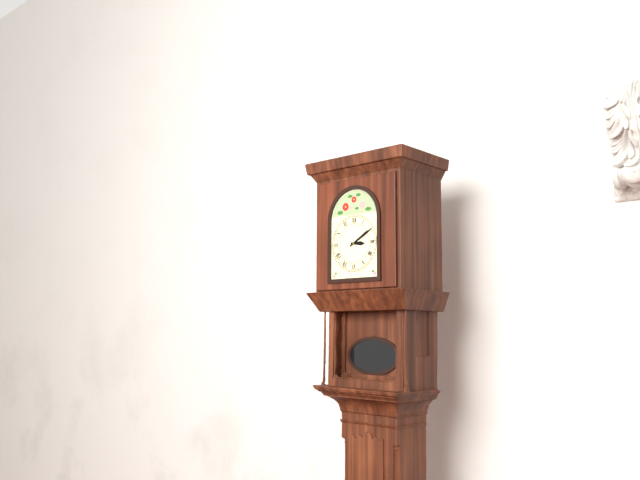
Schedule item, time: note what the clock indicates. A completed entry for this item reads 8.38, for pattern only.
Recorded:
3.10
